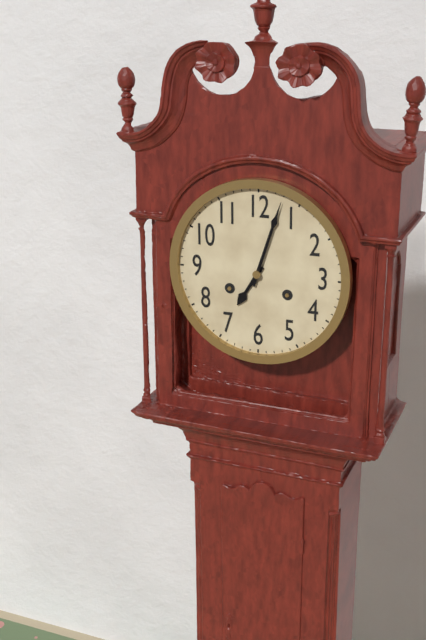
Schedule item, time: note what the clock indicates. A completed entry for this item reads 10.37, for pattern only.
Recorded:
7.03
